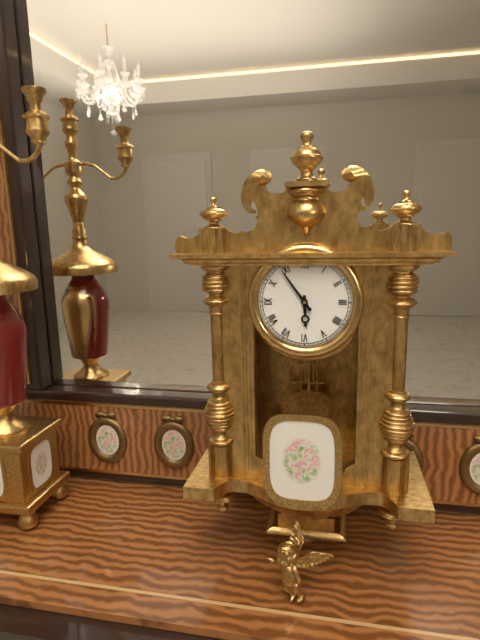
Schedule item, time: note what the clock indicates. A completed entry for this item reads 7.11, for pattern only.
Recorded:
5.54
